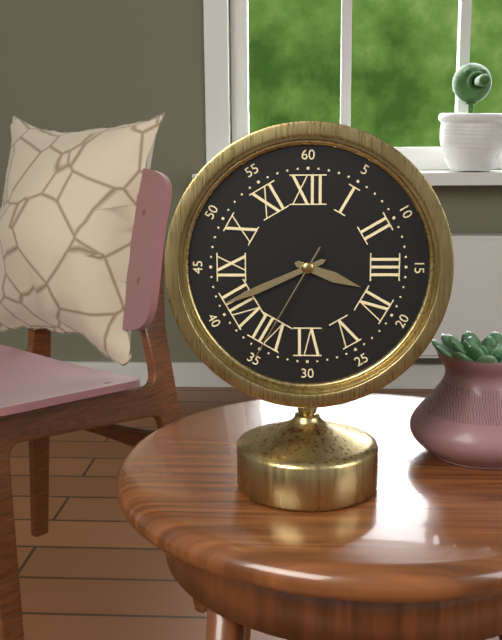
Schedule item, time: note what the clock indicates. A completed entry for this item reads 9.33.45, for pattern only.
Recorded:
3.41.35
